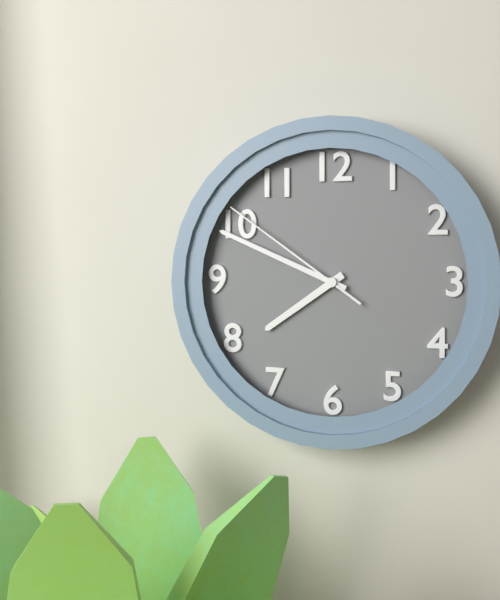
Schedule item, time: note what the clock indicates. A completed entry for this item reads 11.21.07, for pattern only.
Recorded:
7.49.51
